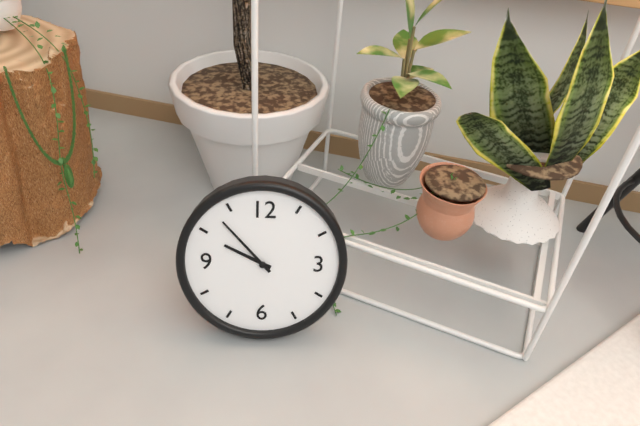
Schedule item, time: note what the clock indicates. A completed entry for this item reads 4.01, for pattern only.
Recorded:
9.53
